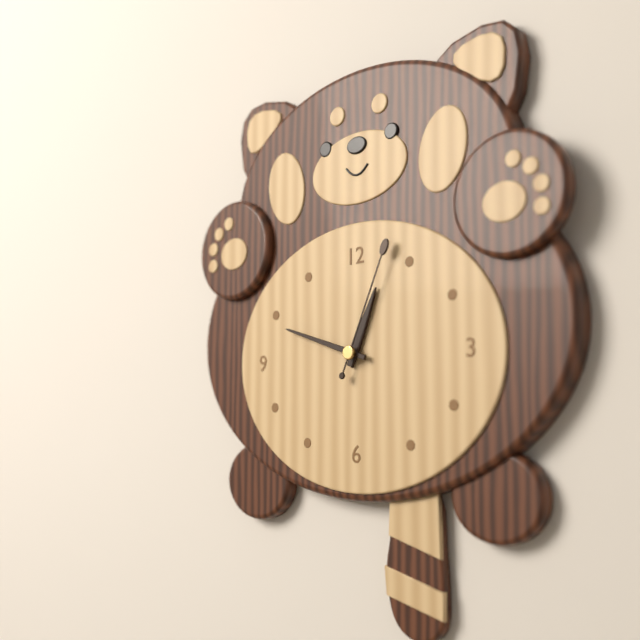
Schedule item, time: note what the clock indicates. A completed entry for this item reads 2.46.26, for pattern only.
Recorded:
12.48.04
